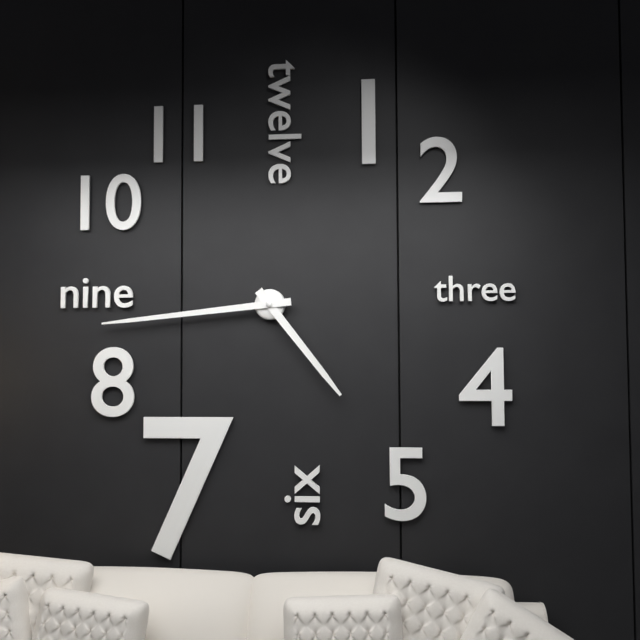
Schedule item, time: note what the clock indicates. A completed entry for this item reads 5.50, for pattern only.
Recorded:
4.44
